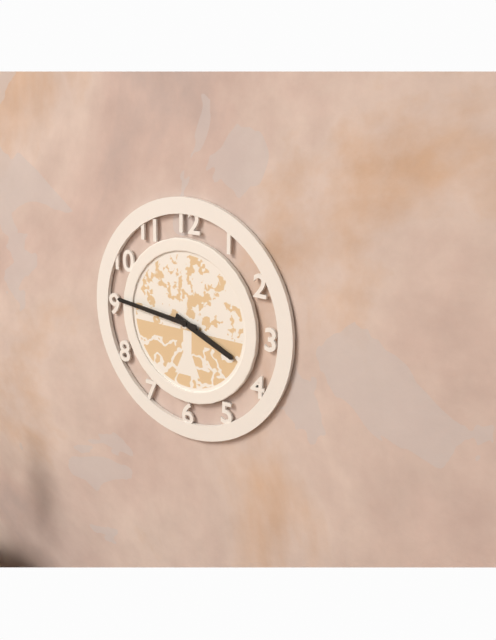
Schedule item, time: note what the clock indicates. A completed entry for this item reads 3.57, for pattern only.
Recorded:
3.46
